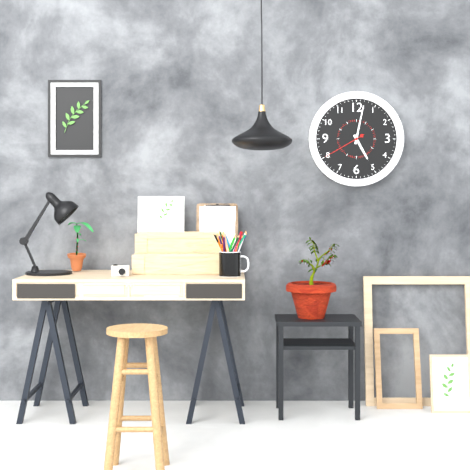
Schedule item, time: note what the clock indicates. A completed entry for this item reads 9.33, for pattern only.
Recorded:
5.02
